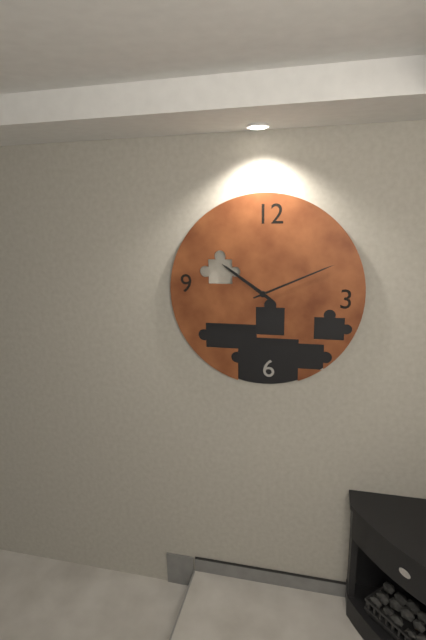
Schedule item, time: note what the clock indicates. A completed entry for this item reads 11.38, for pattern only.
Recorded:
10.11
